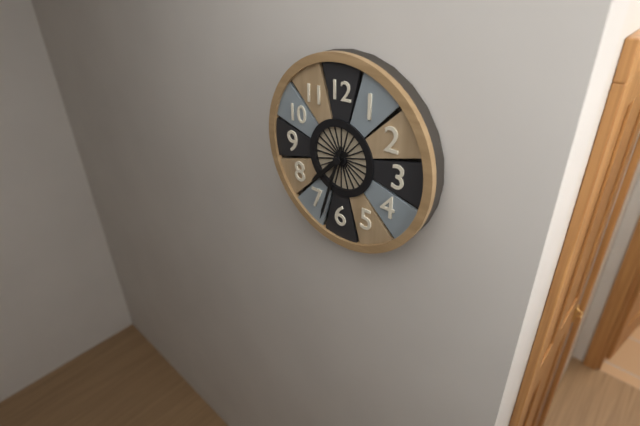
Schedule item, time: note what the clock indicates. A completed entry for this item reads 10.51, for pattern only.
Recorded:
7.33
